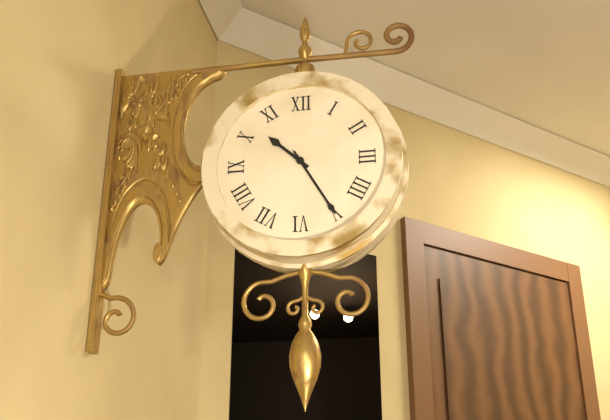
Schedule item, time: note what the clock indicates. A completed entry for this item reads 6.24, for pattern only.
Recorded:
10.25
